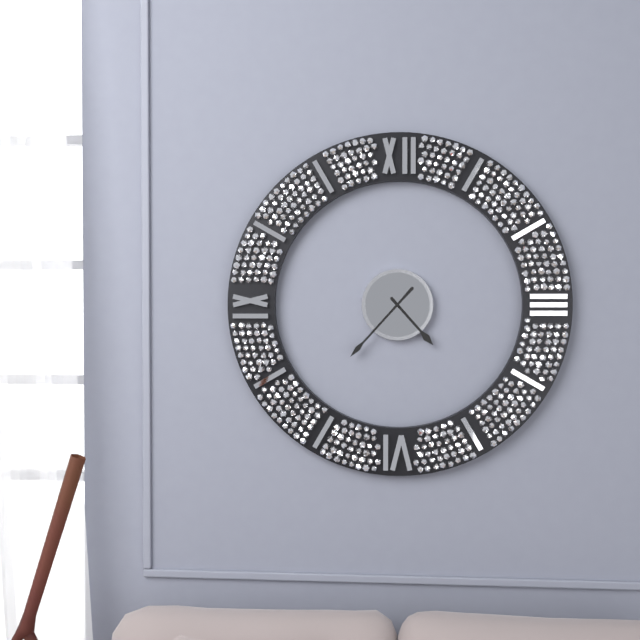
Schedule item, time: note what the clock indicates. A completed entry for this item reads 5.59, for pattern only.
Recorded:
4.37
